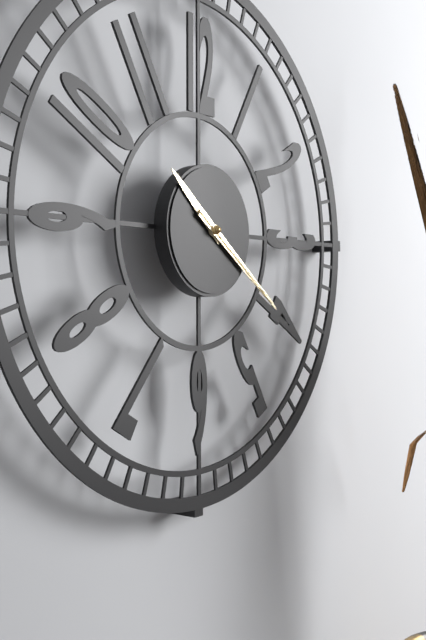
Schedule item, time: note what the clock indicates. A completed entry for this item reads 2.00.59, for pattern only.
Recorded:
10.21.21
